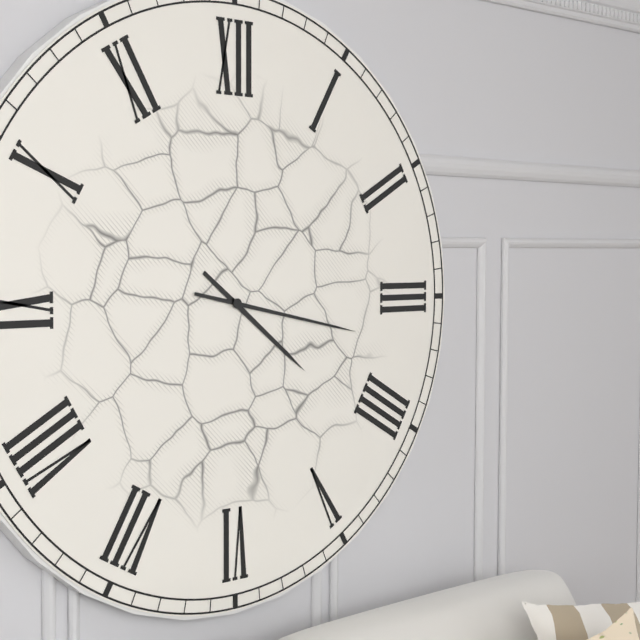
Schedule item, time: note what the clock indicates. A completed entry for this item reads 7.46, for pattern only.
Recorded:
4.17
